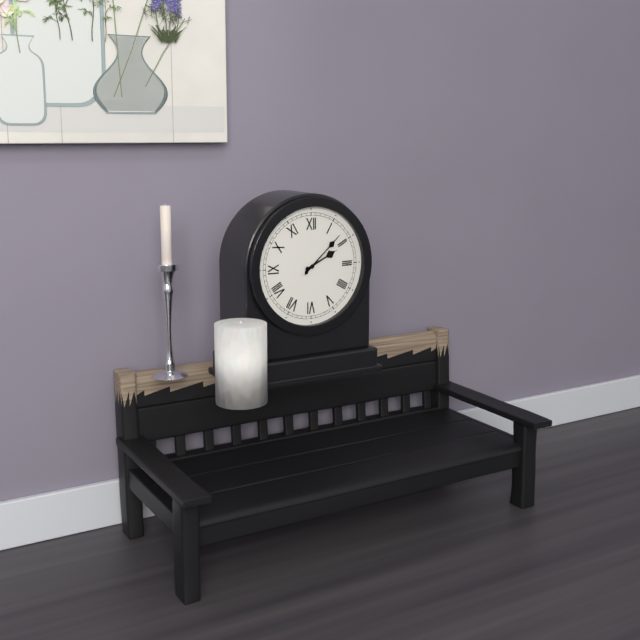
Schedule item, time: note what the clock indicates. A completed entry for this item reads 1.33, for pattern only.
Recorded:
2.08
